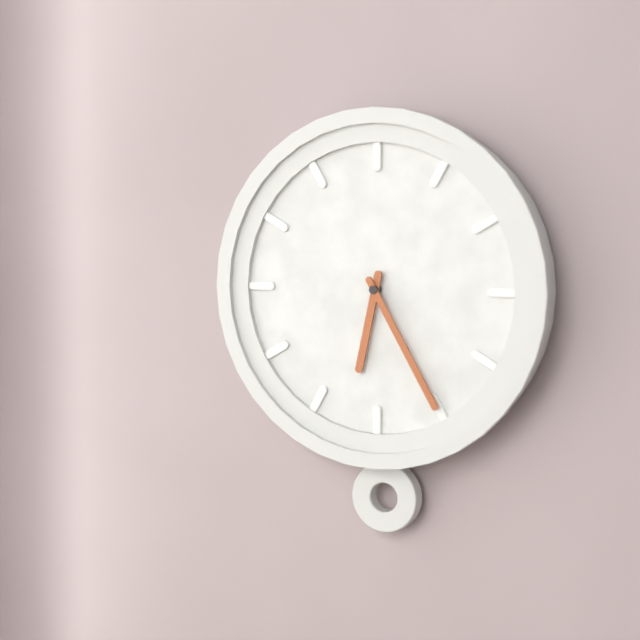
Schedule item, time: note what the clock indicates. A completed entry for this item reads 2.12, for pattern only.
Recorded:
6.25
